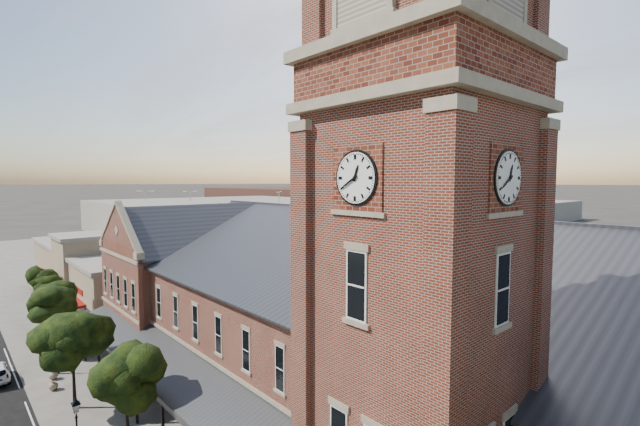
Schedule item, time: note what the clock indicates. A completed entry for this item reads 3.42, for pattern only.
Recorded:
12.40
